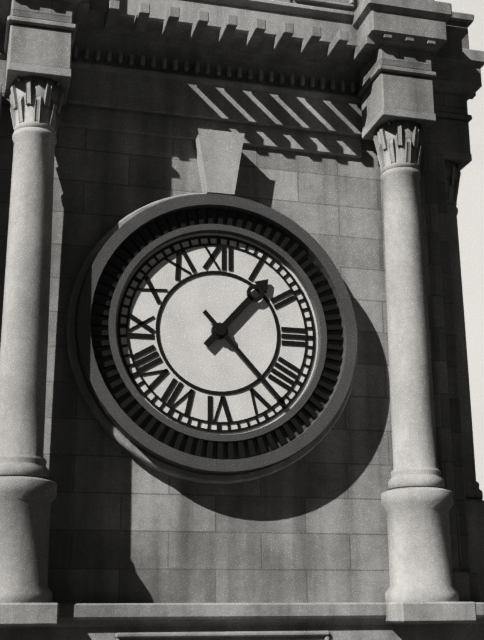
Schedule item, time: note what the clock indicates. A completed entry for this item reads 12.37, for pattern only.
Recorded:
1.23
